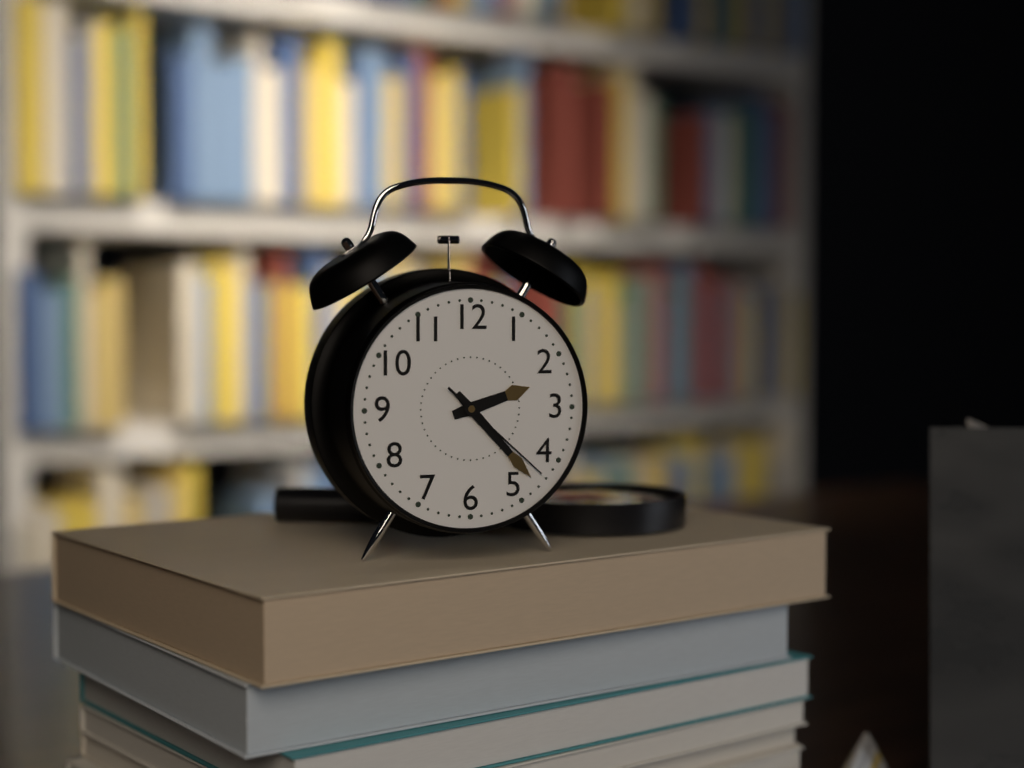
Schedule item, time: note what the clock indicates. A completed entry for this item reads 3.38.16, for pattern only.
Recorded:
2.23.22
